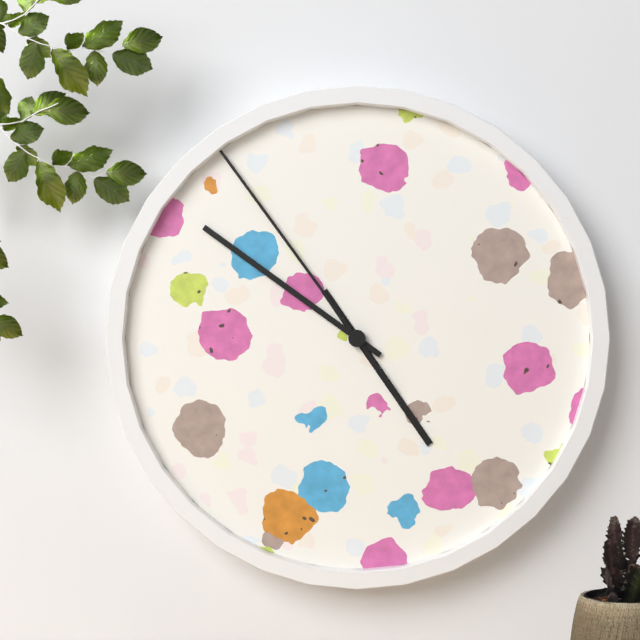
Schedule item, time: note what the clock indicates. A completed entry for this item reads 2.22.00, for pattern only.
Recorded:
4.51.54
